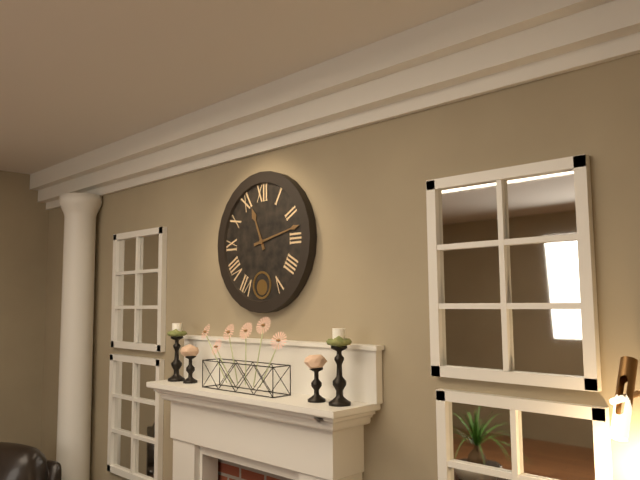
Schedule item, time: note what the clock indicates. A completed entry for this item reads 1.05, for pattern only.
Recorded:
11.13
